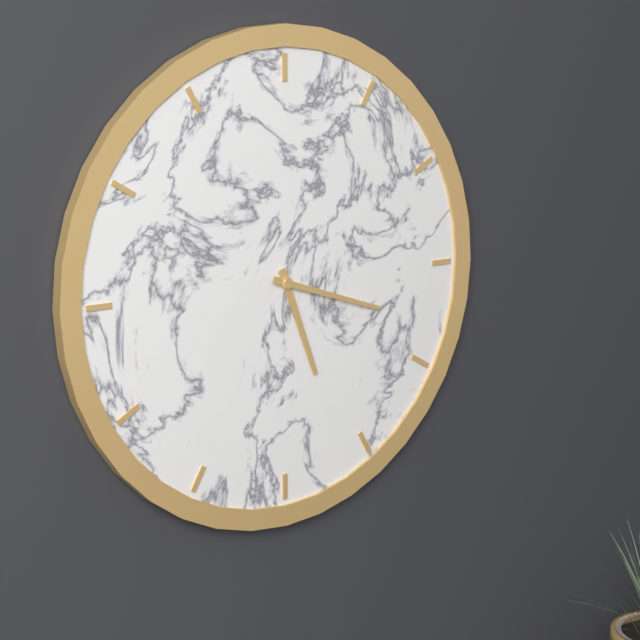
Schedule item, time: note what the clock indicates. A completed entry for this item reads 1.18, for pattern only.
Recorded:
5.18
